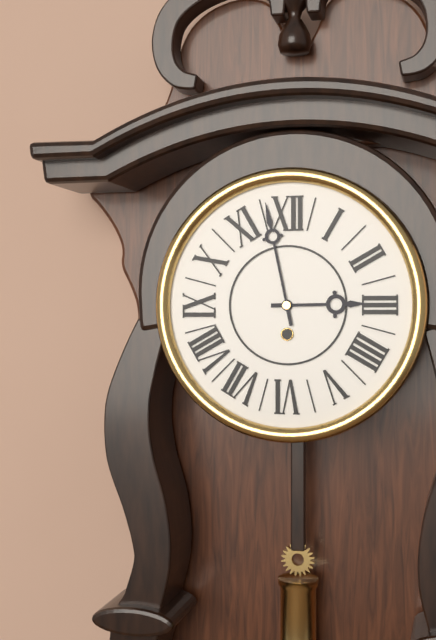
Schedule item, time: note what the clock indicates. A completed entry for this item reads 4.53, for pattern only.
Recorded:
2.58
